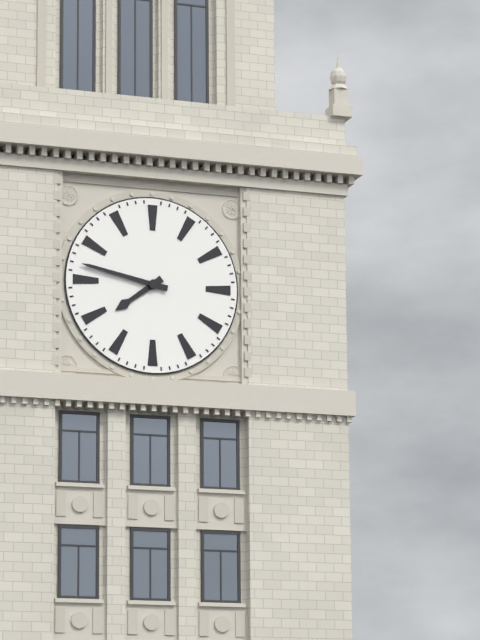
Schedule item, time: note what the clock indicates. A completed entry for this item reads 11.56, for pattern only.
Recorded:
7.47
